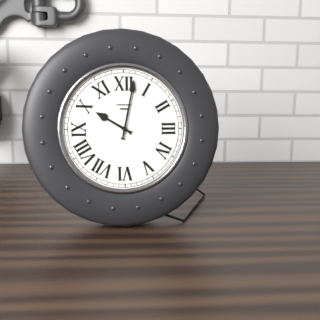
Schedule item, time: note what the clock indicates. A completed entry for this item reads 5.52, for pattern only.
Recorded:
10.02
